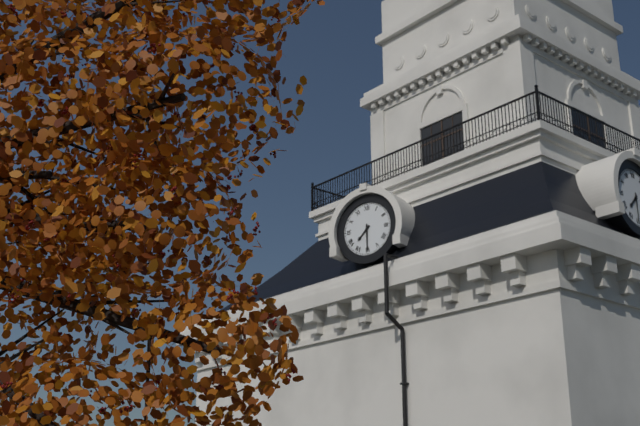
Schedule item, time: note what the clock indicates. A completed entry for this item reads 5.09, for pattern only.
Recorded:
7.30
